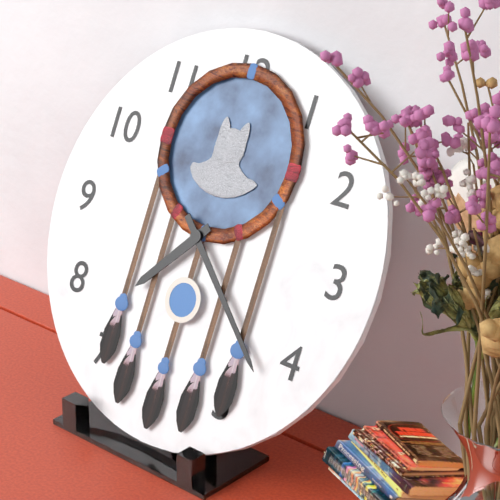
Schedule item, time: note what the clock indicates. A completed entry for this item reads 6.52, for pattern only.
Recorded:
7.22
